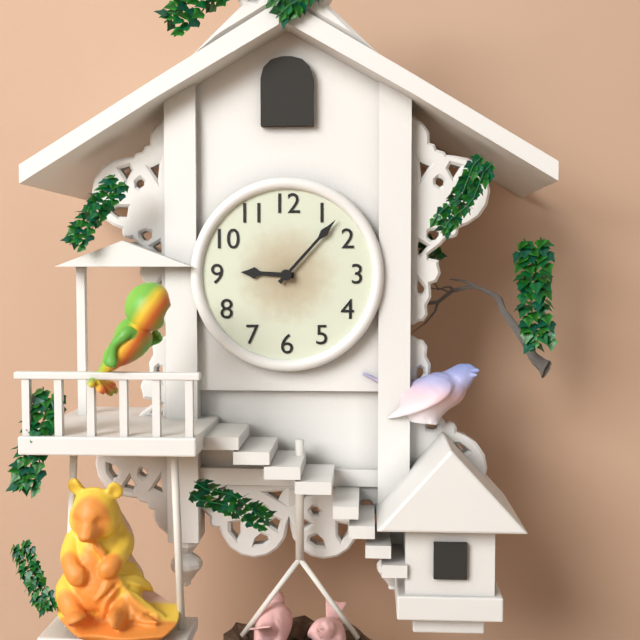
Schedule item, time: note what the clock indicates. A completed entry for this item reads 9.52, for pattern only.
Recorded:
9.07
